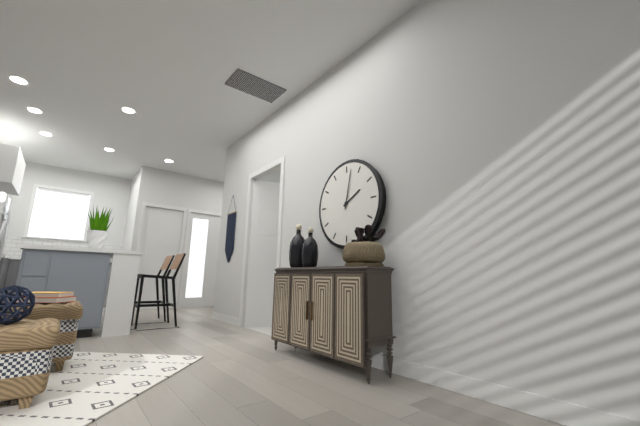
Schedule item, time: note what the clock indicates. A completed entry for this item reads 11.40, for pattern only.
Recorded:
2.02
